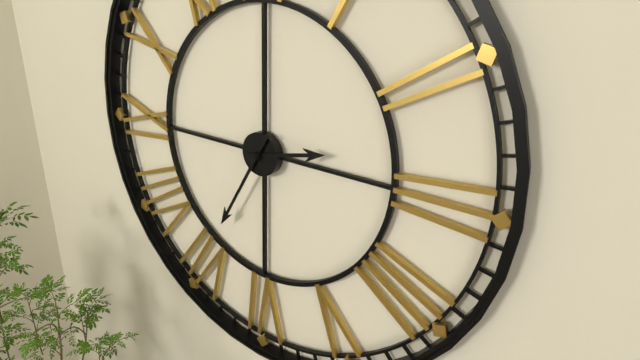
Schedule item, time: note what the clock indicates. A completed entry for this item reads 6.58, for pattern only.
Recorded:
2.35
